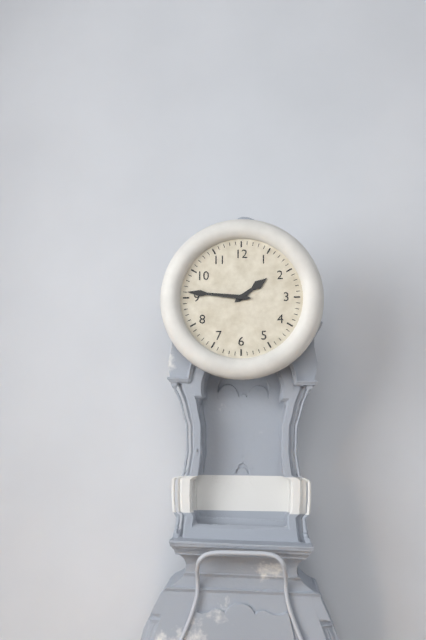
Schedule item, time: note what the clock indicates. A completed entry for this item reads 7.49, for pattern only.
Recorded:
1.46
